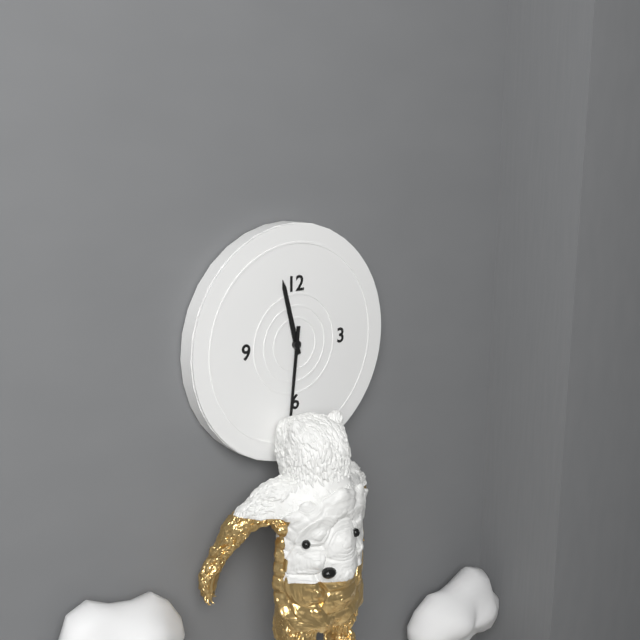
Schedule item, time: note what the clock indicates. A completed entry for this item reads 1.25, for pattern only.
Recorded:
11.31
